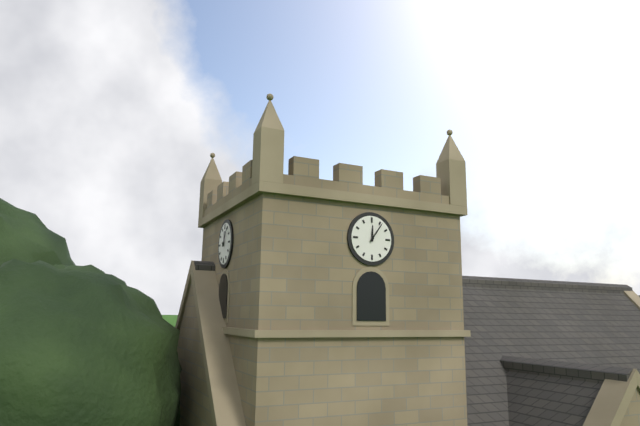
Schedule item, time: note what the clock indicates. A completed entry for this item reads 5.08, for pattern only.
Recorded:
12.06
